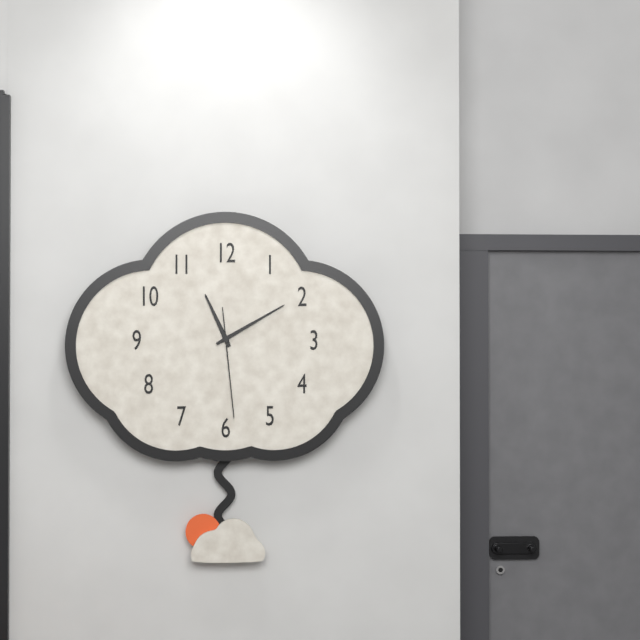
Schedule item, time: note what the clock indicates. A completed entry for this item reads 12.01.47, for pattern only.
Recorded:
11.10.29
